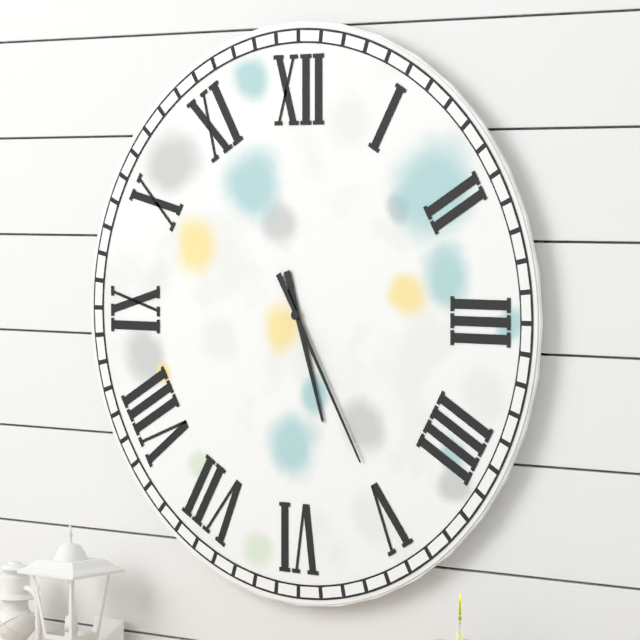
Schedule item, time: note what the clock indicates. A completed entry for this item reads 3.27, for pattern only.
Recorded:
5.25
